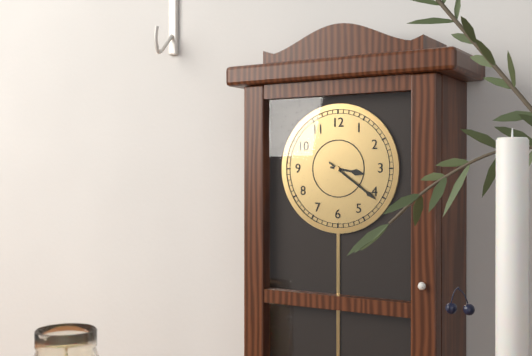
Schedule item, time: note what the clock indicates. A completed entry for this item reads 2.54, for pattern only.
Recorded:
3.21
